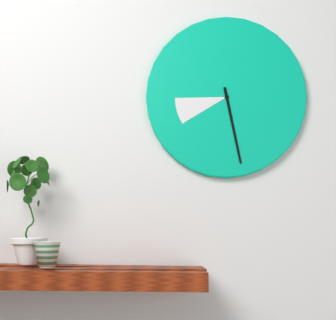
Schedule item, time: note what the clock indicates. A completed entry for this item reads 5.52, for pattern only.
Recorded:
8.28
